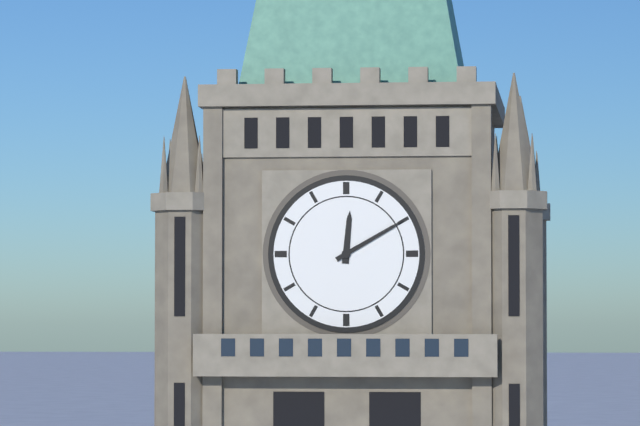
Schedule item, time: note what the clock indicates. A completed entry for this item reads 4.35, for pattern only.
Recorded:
12.10
